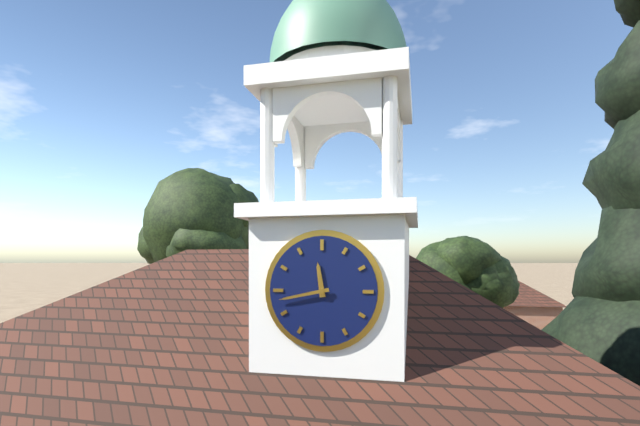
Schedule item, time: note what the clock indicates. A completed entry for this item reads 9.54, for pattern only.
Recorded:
11.43
